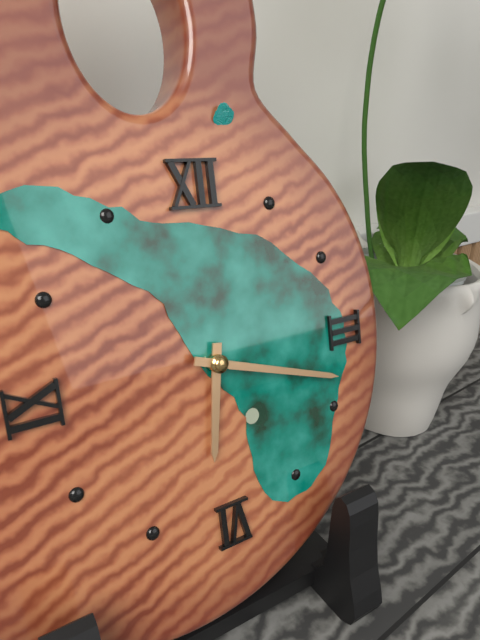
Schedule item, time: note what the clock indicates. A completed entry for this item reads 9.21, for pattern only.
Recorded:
6.18
